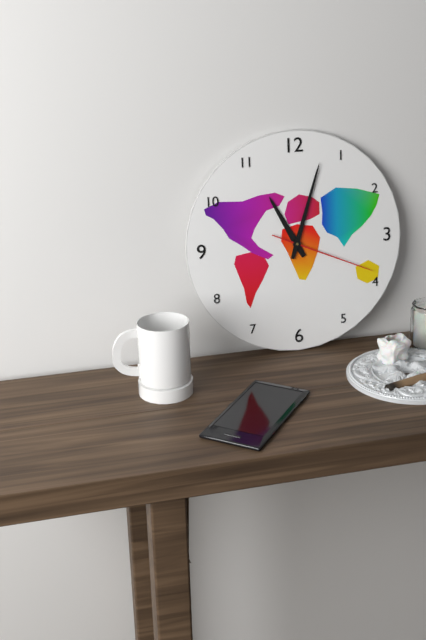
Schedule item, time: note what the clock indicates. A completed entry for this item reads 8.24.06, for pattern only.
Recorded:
11.03.19
